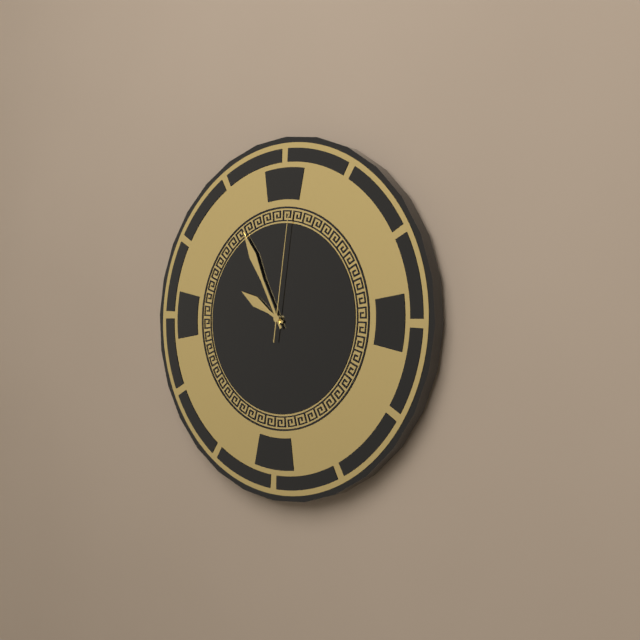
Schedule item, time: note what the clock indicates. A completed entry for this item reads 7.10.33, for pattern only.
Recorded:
9.55.01
